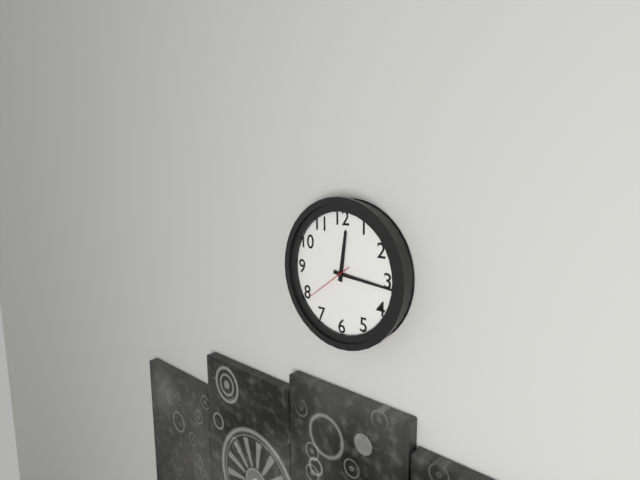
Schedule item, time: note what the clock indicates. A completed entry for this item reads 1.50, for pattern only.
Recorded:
12.16
